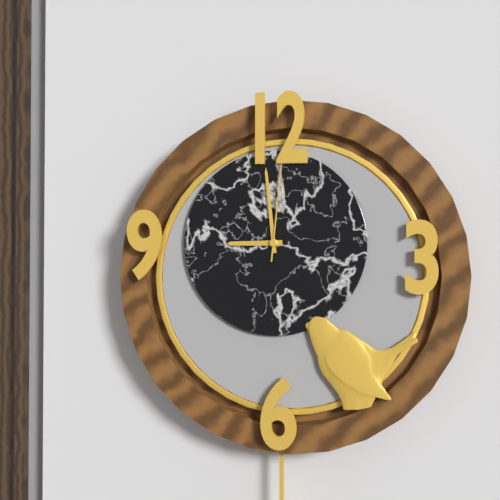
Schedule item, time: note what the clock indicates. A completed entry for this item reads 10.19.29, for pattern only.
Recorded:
8.59.01
